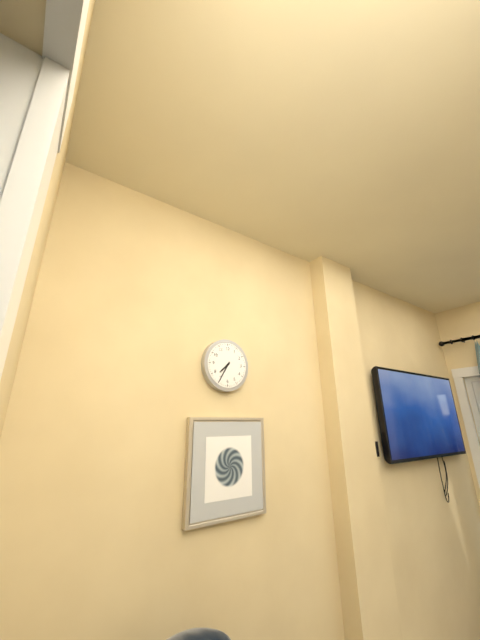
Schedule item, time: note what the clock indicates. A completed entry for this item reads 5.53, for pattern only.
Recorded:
7.35
